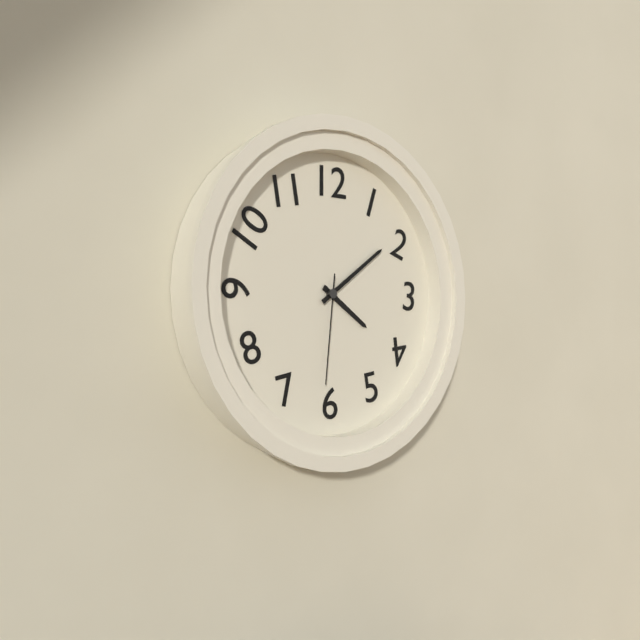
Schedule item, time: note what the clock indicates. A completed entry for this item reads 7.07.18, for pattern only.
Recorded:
4.09.31
